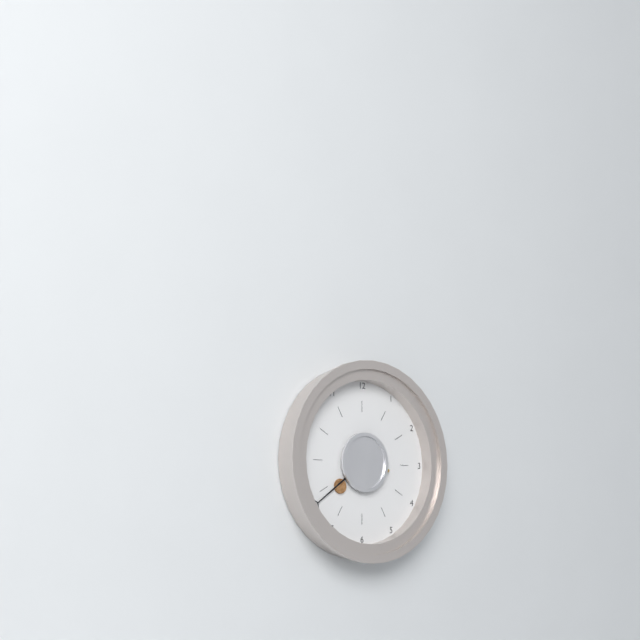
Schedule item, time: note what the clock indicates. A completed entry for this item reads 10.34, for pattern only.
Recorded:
7.39
